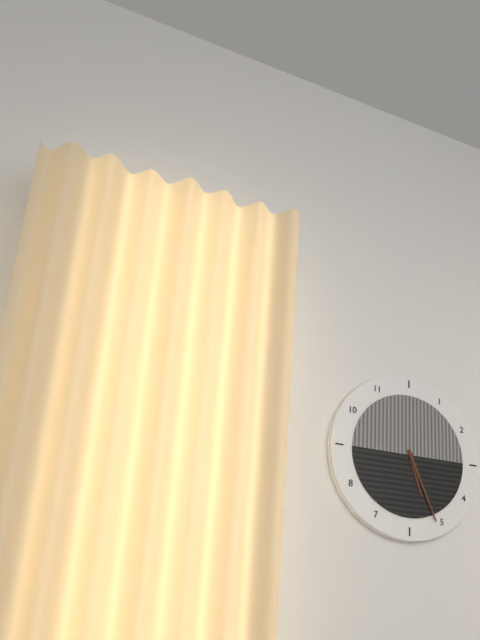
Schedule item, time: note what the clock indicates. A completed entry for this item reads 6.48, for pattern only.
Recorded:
5.26
